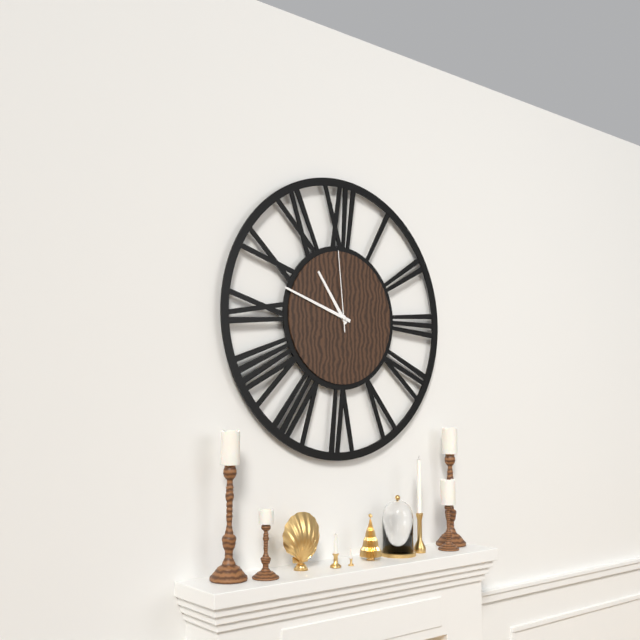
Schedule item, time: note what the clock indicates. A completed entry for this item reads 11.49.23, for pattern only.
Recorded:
10.48.59
